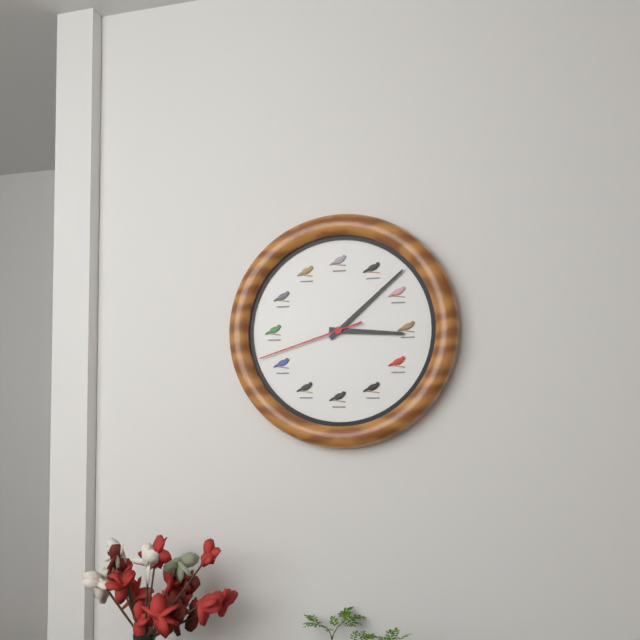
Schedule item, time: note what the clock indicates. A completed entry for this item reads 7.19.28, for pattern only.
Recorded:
3.08.42
